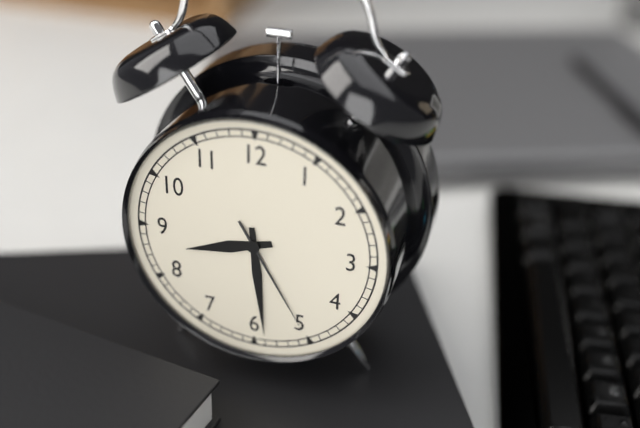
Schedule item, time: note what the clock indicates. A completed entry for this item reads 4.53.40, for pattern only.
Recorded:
8.29.25
